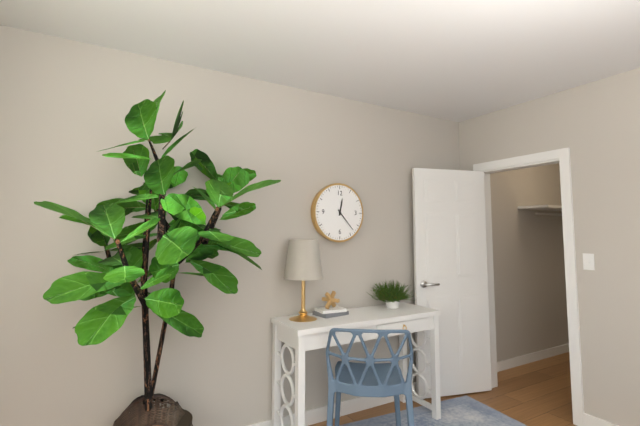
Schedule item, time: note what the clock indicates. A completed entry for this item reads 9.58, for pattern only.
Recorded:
12.23
